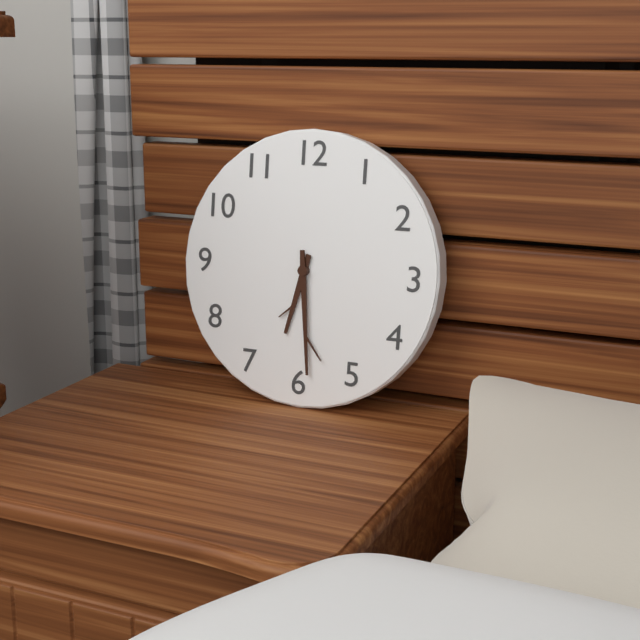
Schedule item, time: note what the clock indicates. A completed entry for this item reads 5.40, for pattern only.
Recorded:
6.29
